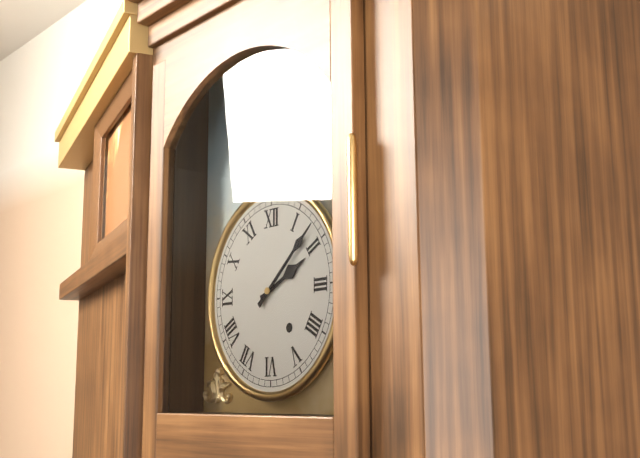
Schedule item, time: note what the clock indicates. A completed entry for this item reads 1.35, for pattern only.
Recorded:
2.08
